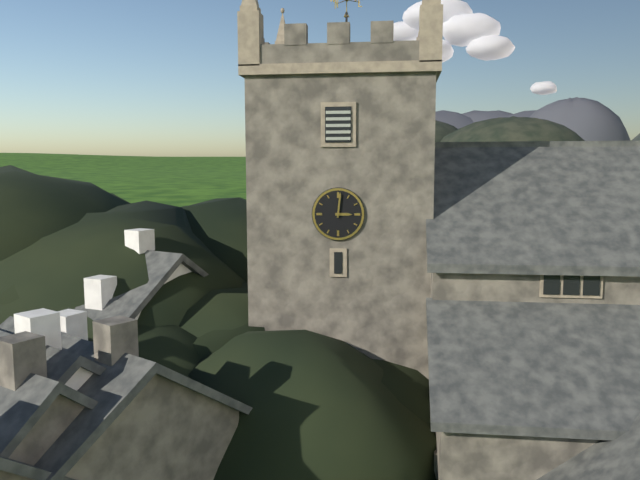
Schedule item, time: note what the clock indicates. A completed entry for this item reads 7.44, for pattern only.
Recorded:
3.01
